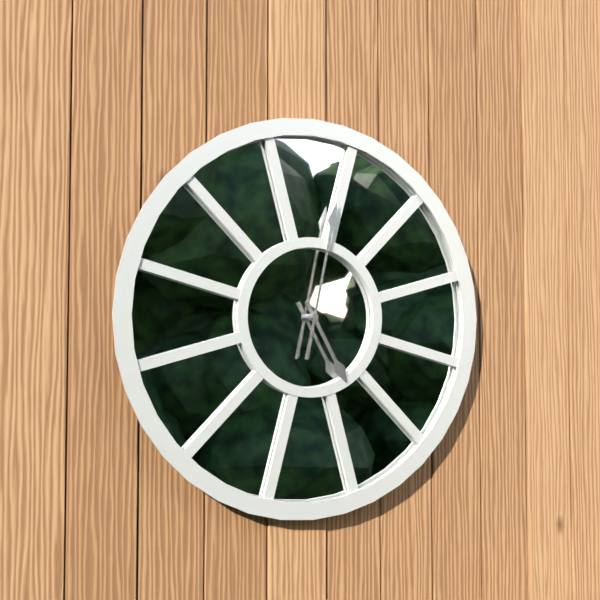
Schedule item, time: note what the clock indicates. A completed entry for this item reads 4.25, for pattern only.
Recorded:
5.02
